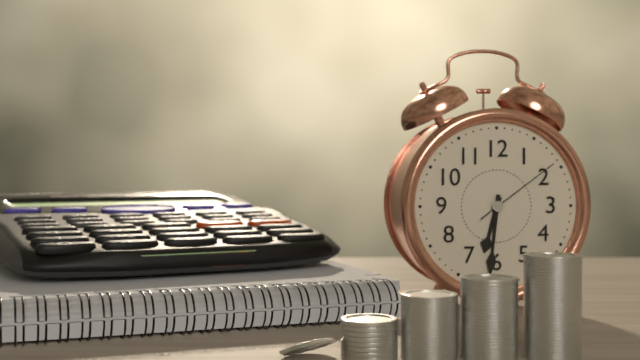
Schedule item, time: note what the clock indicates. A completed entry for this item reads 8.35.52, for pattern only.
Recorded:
6.31.09
